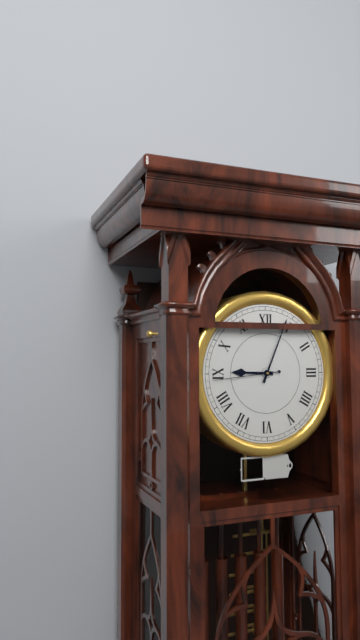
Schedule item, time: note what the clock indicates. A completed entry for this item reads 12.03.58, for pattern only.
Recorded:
9.04.44
